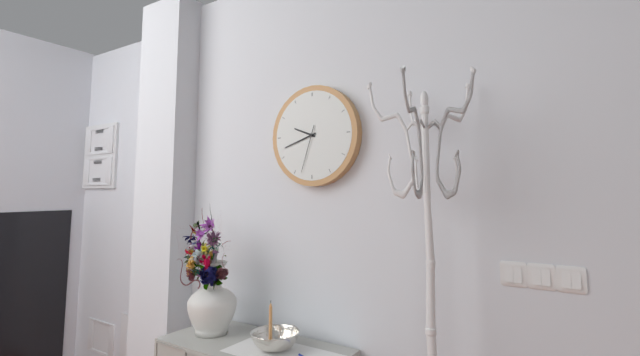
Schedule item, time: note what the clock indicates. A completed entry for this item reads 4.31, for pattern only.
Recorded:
9.42
